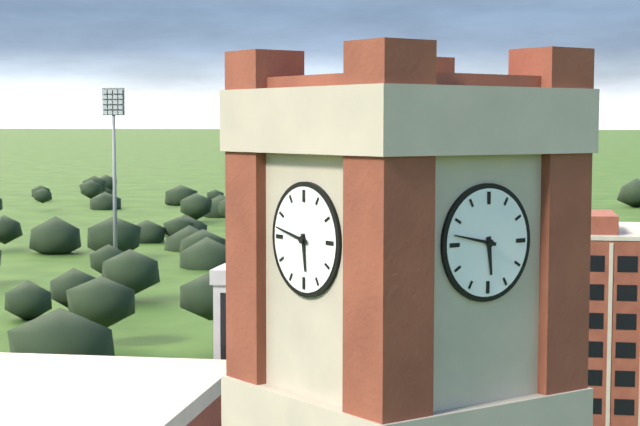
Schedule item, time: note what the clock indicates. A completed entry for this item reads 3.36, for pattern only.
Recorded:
5.47
